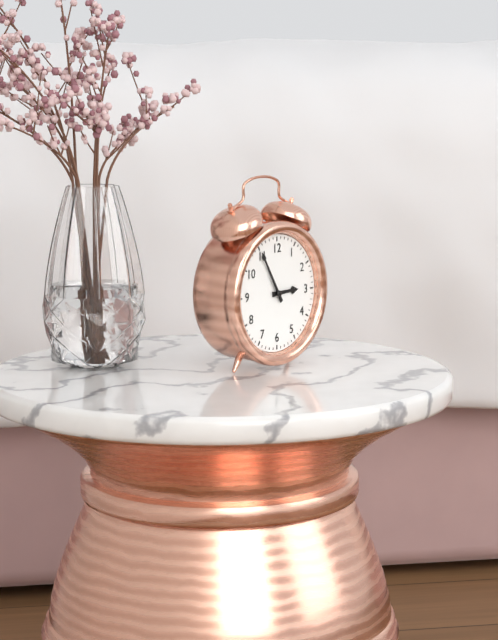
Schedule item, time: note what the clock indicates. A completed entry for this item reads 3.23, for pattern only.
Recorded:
2.55
